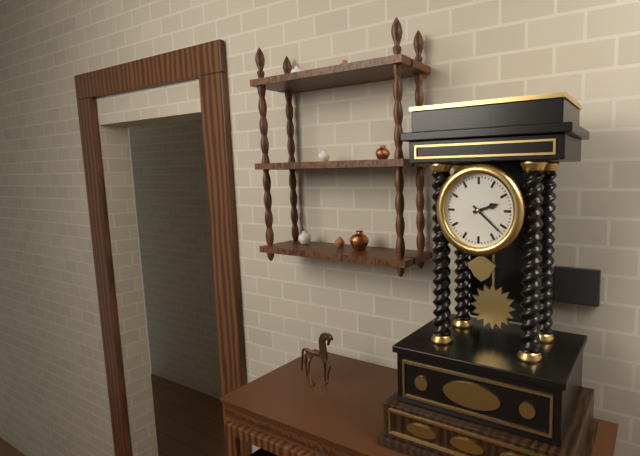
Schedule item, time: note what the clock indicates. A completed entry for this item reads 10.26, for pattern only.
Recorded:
2.22
